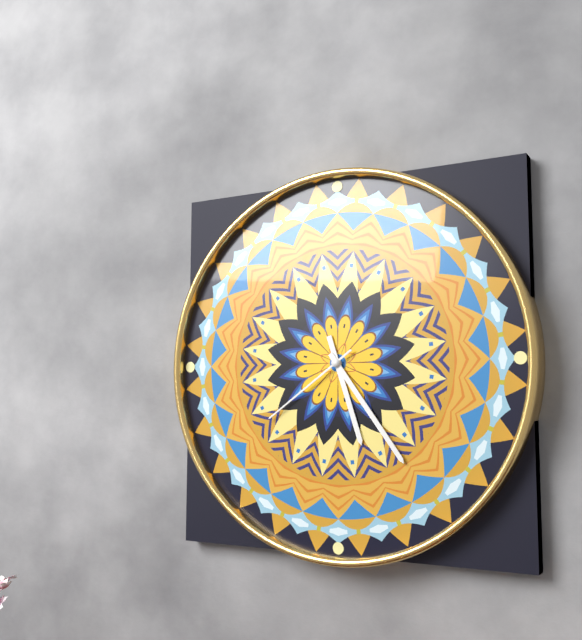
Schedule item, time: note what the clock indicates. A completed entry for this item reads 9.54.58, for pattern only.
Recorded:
5.24.39
